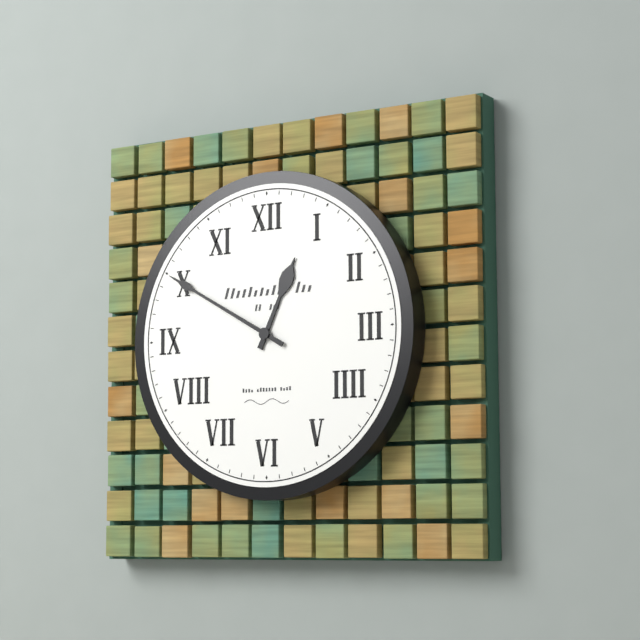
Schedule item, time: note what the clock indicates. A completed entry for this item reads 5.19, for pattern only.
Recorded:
12.50
